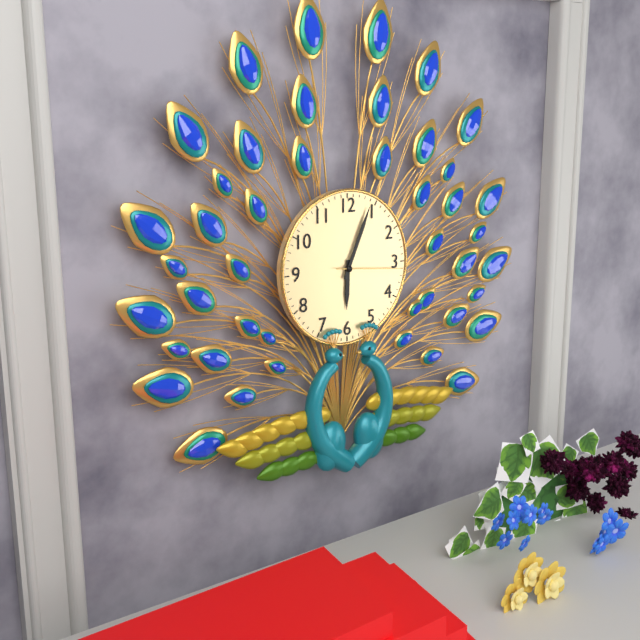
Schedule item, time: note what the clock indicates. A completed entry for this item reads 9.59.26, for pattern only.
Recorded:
6.04.16
